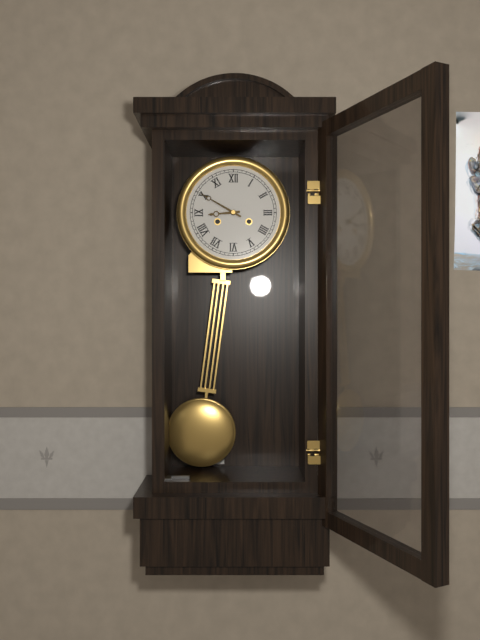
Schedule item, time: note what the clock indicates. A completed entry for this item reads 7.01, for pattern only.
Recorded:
8.50
